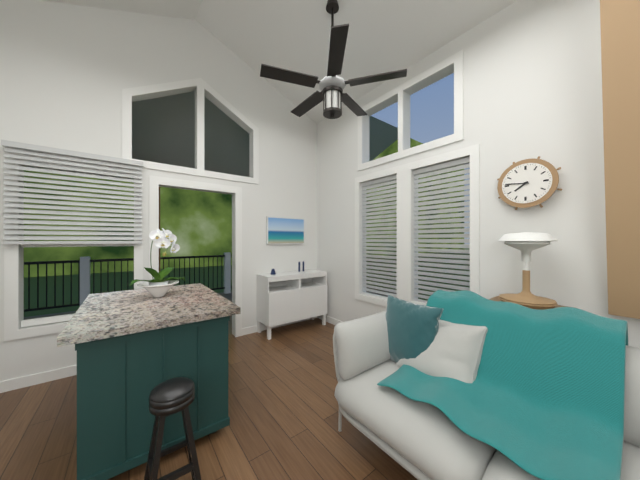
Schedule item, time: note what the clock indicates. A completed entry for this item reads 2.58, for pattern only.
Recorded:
7.46
